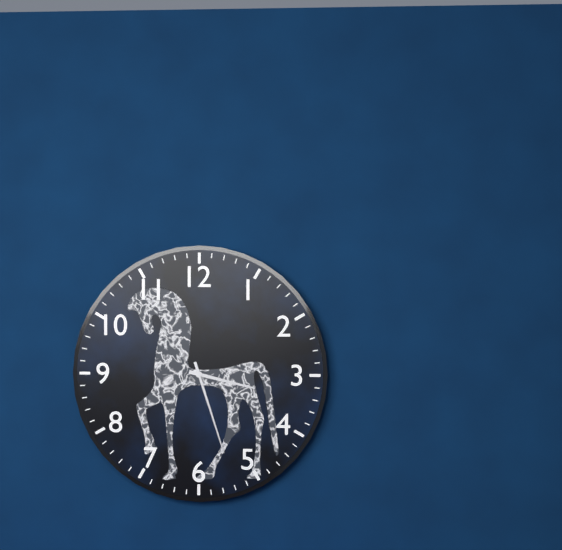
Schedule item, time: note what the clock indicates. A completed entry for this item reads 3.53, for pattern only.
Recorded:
3.27
